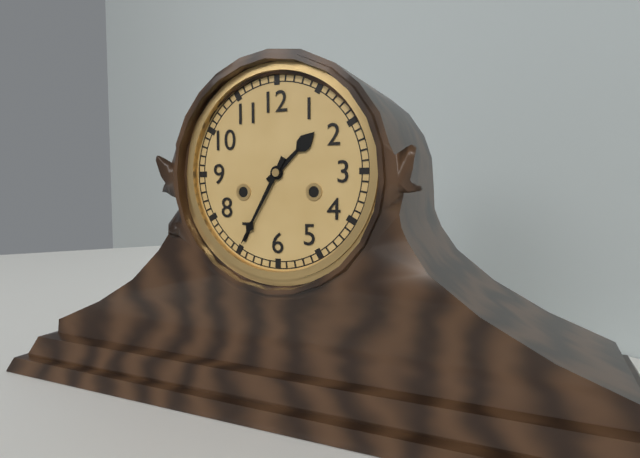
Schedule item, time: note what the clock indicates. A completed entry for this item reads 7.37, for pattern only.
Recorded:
1.35
